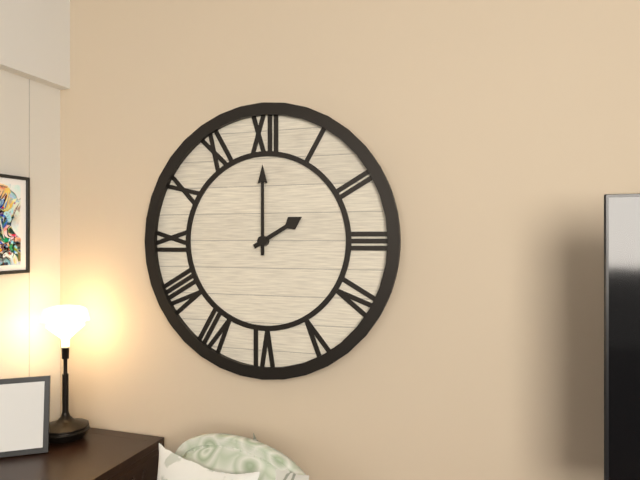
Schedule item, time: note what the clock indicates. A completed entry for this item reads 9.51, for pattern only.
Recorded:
2.00
